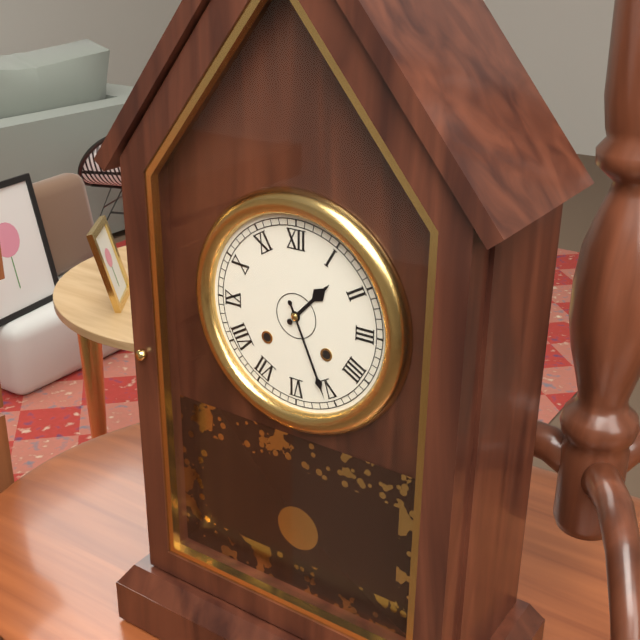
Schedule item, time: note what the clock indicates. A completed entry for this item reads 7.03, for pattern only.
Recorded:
1.26
